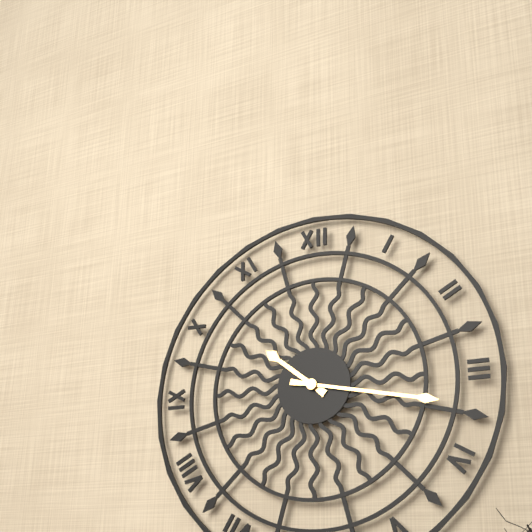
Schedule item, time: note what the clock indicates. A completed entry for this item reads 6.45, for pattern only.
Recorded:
10.17
